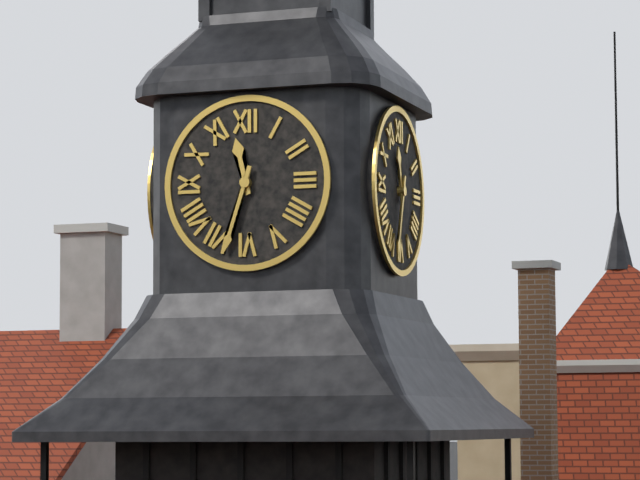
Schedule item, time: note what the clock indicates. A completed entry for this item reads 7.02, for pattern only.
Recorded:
11.33
